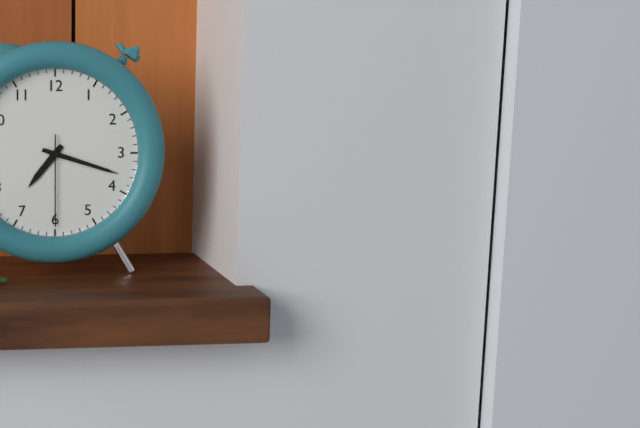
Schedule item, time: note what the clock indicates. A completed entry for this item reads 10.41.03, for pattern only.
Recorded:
7.18.30
